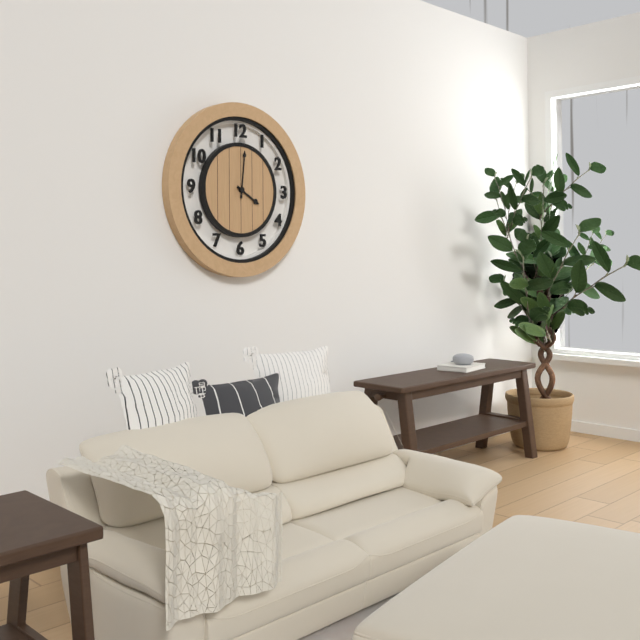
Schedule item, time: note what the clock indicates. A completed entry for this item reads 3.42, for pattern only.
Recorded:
4.01
